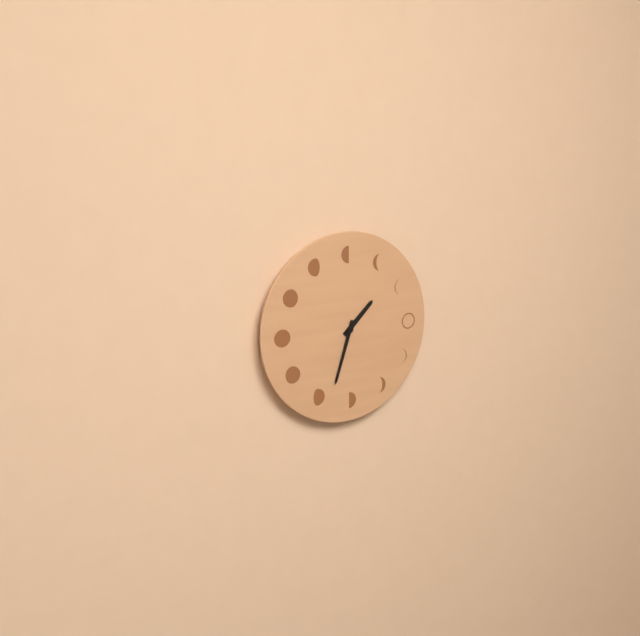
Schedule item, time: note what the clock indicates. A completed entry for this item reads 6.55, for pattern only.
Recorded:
1.33
